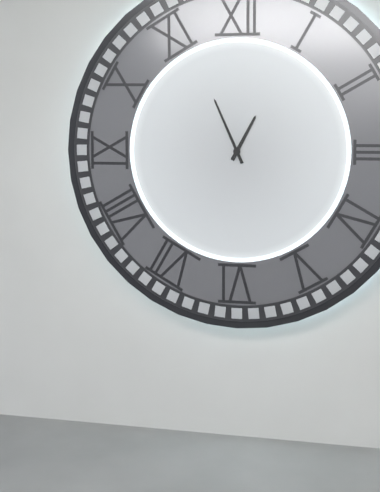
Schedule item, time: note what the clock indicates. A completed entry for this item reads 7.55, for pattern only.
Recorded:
12.56
